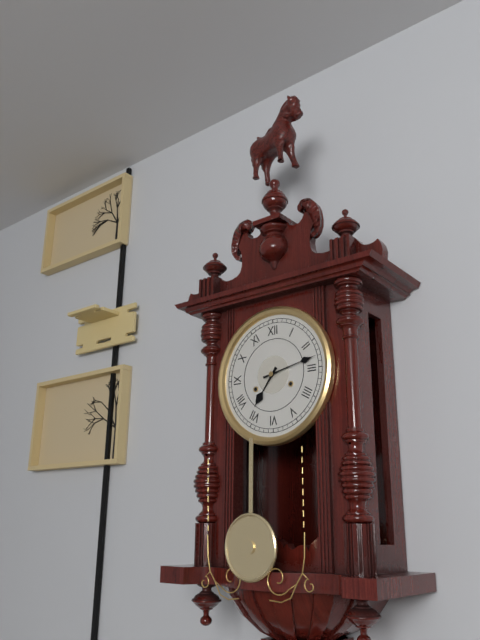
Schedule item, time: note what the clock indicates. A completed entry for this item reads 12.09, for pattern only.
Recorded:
7.13
